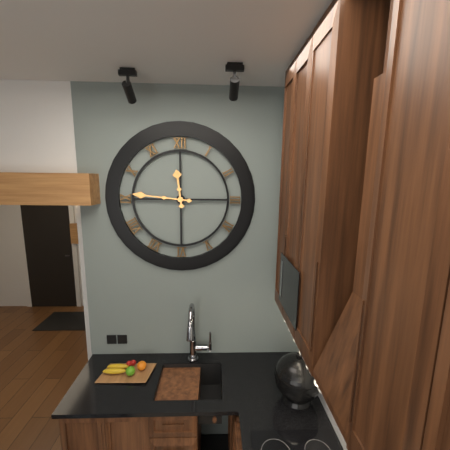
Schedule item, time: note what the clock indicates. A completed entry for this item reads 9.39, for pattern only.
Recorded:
11.46
